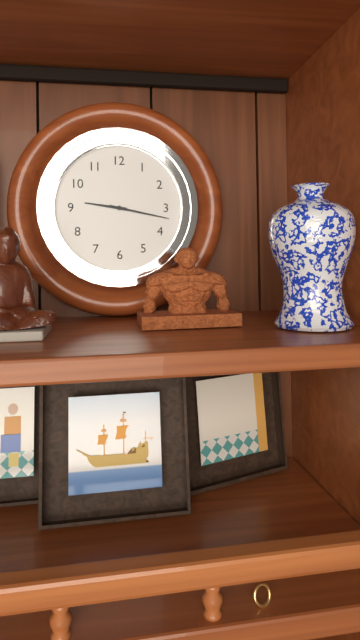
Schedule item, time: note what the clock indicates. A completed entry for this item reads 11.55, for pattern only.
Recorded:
9.17
